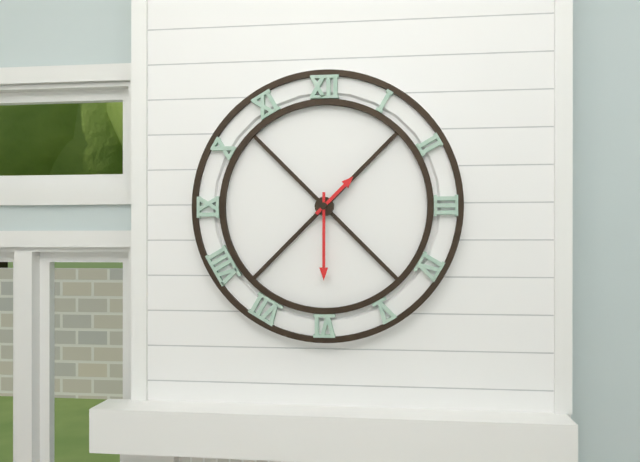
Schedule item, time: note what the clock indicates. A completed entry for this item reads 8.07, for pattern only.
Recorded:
1.30
